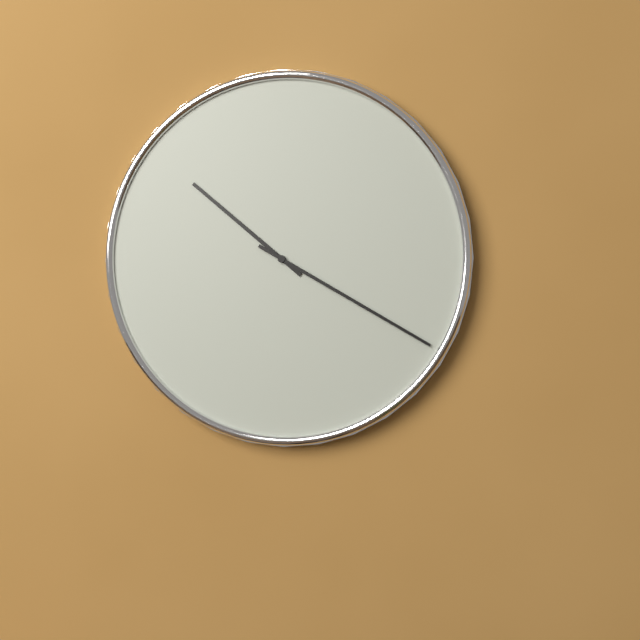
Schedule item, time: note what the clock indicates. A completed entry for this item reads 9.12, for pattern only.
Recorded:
10.20
